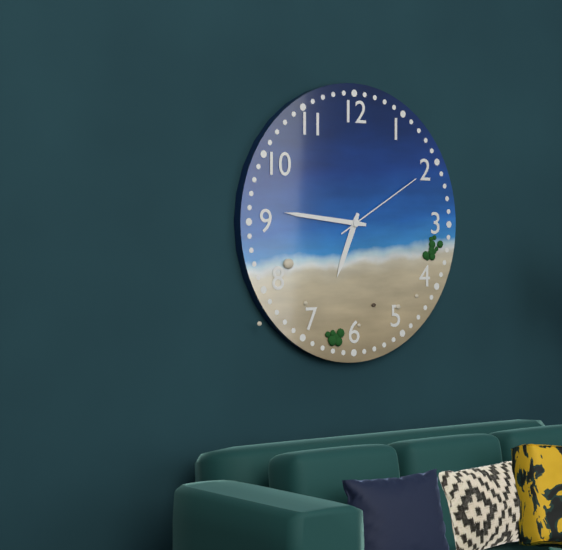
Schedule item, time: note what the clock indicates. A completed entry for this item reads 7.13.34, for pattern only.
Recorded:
6.46.10
